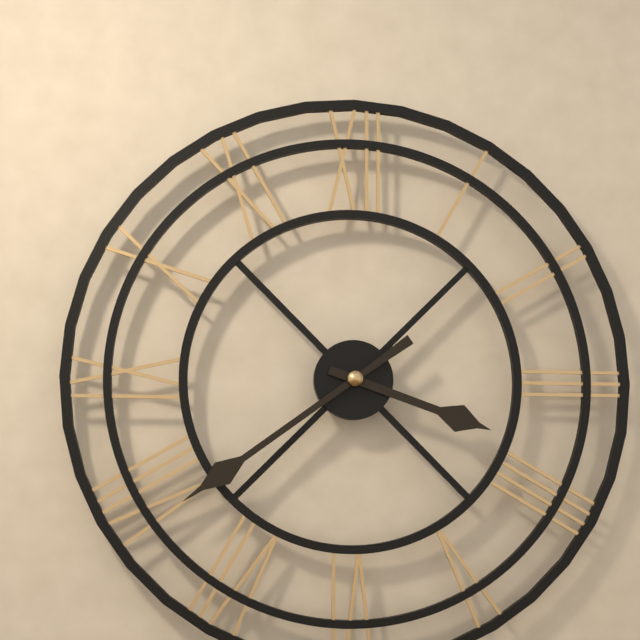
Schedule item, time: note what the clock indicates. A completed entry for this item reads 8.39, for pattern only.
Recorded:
3.39
